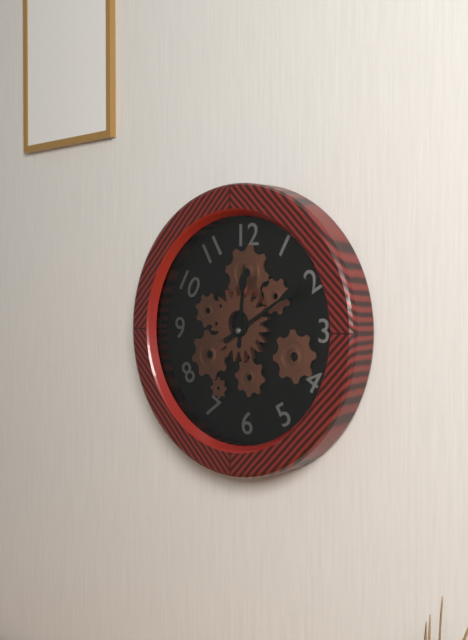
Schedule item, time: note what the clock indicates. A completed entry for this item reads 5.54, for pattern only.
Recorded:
12.10
